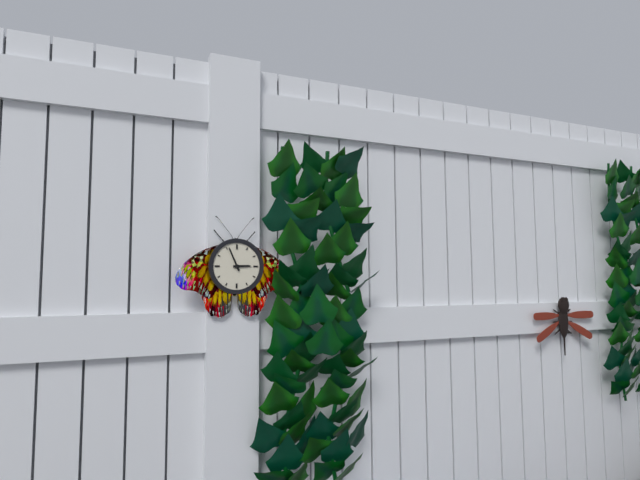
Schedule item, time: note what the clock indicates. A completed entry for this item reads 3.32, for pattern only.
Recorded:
2.56
